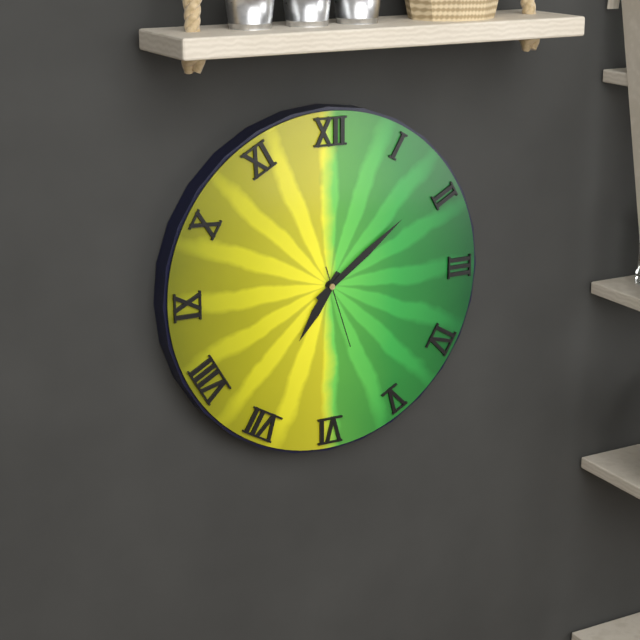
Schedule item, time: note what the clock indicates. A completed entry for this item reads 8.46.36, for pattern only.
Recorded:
7.09.27
